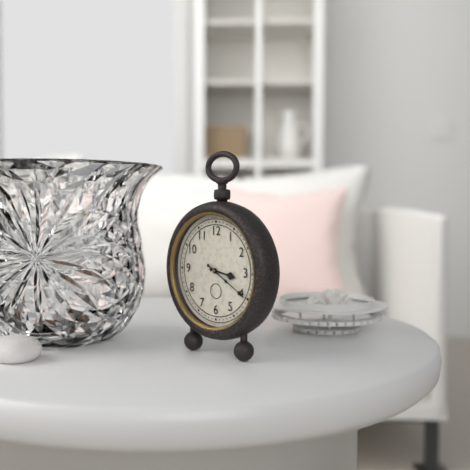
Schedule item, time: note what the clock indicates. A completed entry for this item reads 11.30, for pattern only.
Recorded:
3.20
